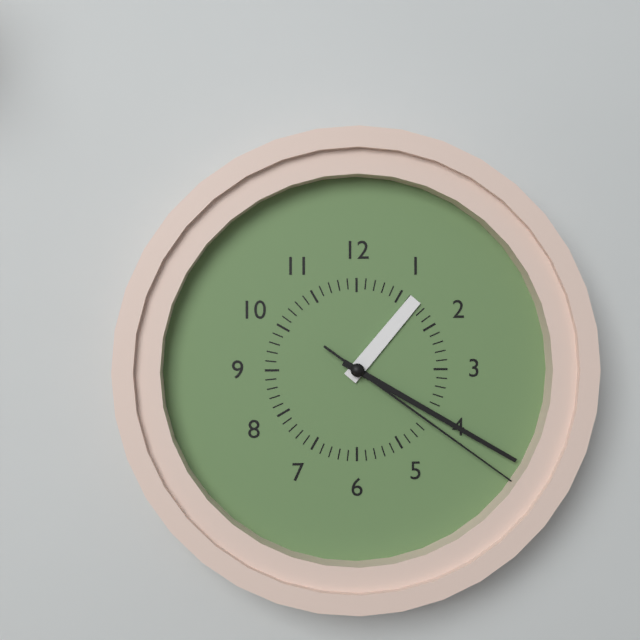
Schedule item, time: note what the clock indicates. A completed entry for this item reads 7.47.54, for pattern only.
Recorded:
1.20.21
